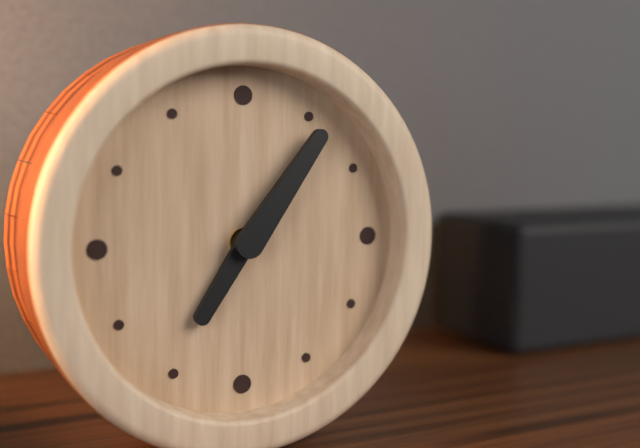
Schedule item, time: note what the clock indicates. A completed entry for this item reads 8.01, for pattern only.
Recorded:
7.06
